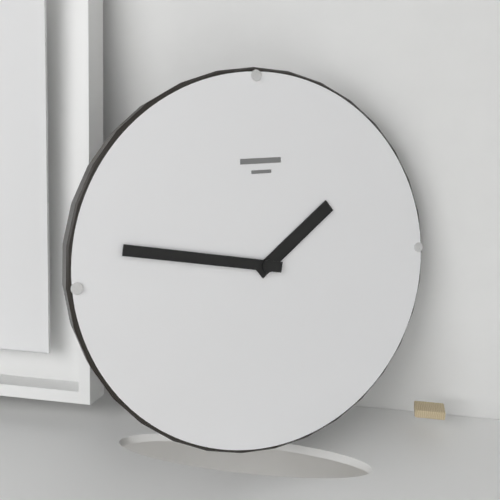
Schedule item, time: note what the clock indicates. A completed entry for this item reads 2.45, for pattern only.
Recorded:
1.47
